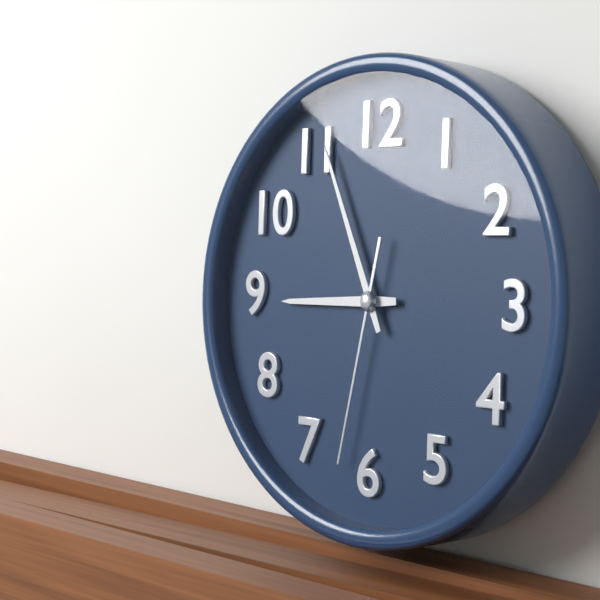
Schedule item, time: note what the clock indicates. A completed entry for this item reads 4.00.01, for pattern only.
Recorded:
8.56.32
